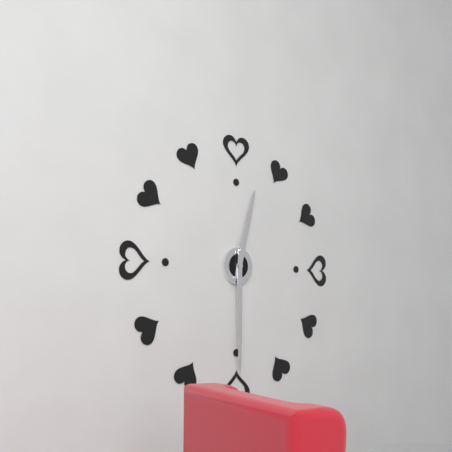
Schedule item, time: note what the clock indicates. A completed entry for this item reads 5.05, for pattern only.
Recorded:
12.30
